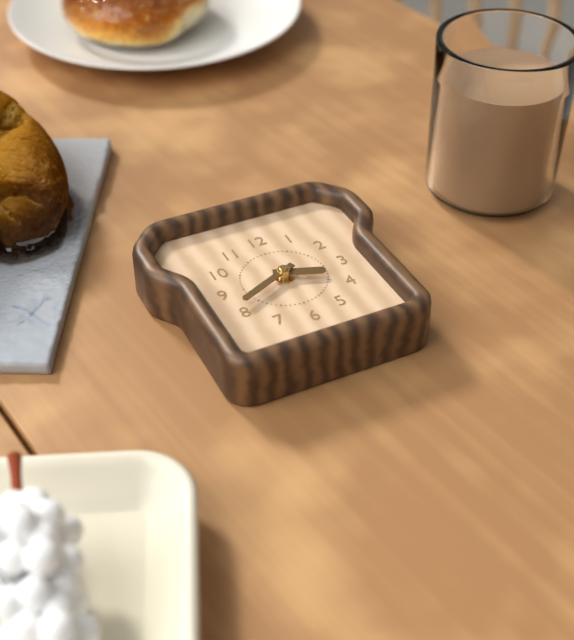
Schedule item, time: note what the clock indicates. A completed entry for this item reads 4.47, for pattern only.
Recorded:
3.41
